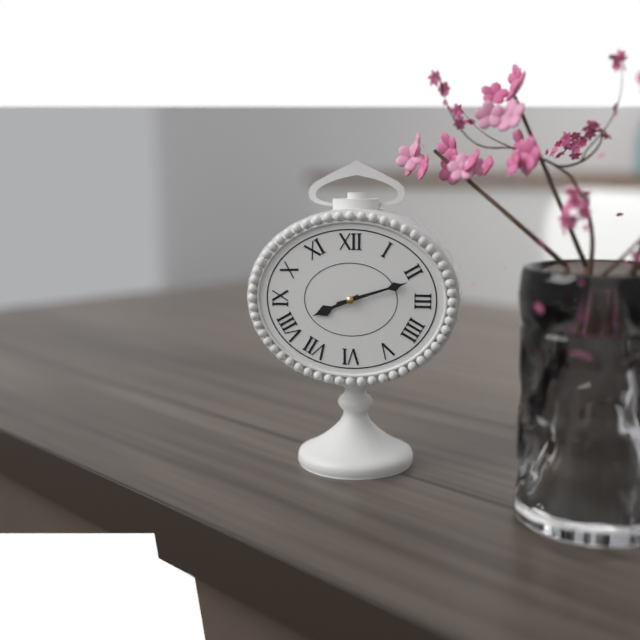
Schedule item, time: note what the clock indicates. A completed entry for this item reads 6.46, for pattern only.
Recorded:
8.12
